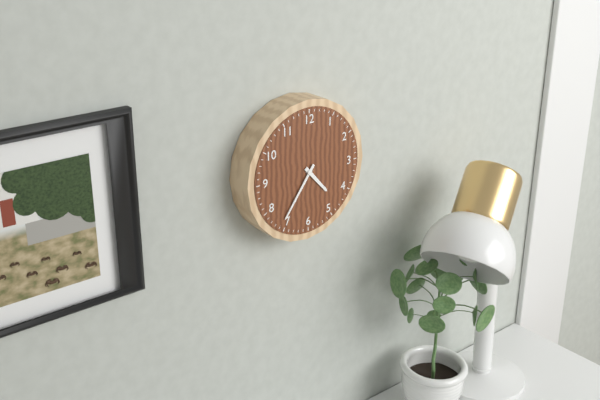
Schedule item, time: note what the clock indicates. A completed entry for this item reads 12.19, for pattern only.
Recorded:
4.36
